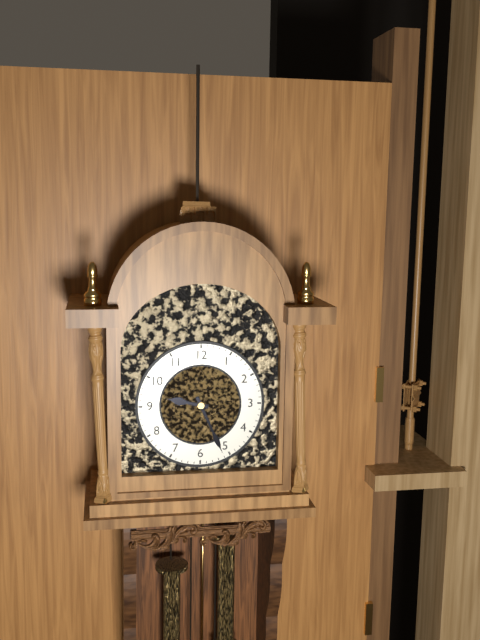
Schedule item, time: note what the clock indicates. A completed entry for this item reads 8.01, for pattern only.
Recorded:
9.26
